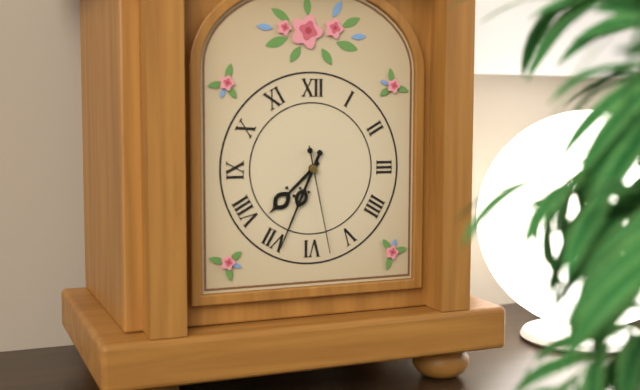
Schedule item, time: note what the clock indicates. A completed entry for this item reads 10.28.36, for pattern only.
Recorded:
7.34.28
